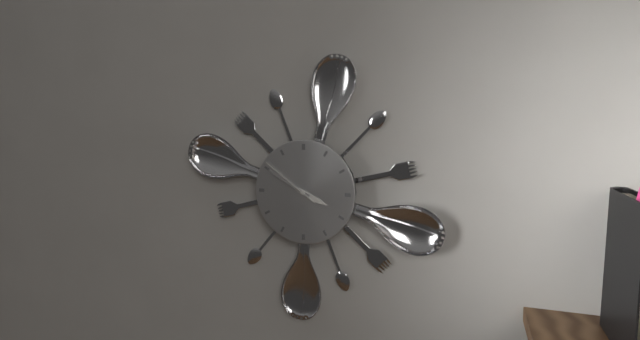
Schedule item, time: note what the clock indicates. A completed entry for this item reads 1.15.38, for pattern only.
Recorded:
3.50.51
